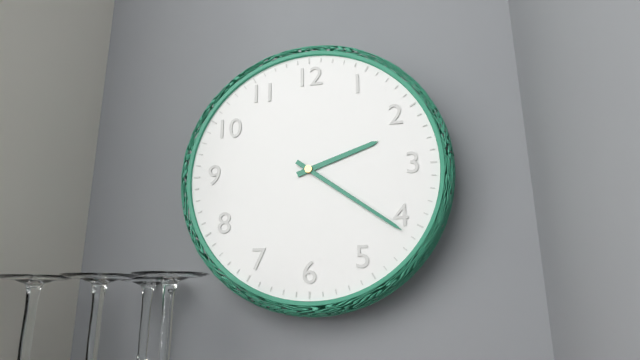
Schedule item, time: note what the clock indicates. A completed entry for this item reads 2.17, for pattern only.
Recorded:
2.21
